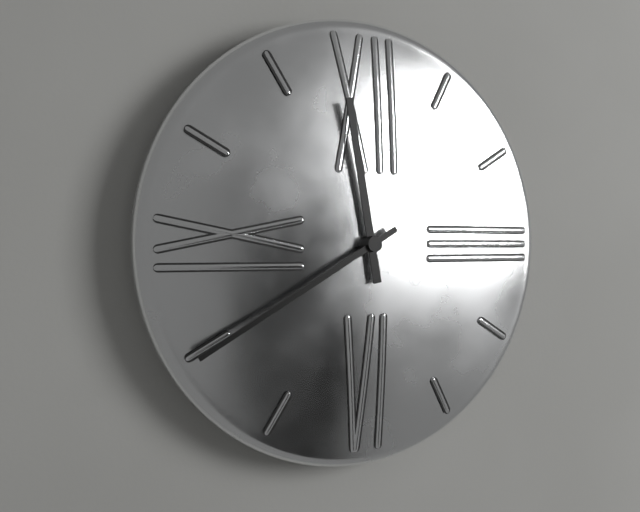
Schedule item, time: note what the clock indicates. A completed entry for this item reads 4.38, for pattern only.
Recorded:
11.40
